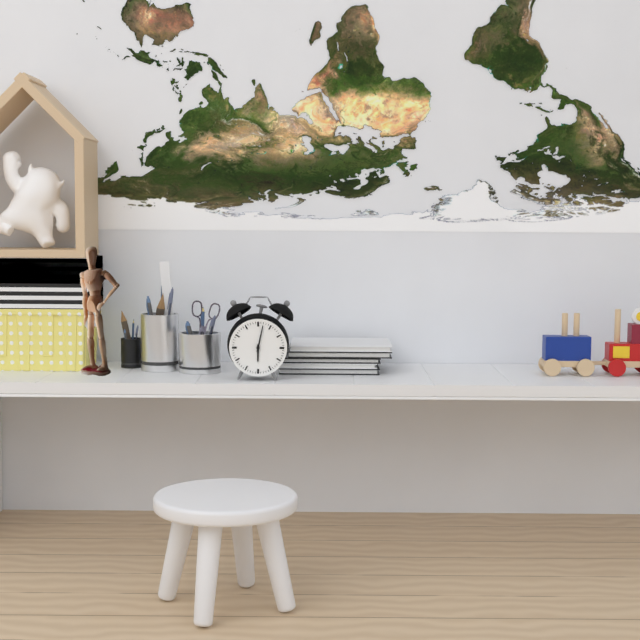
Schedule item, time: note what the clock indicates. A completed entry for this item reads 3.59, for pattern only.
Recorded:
6.02
